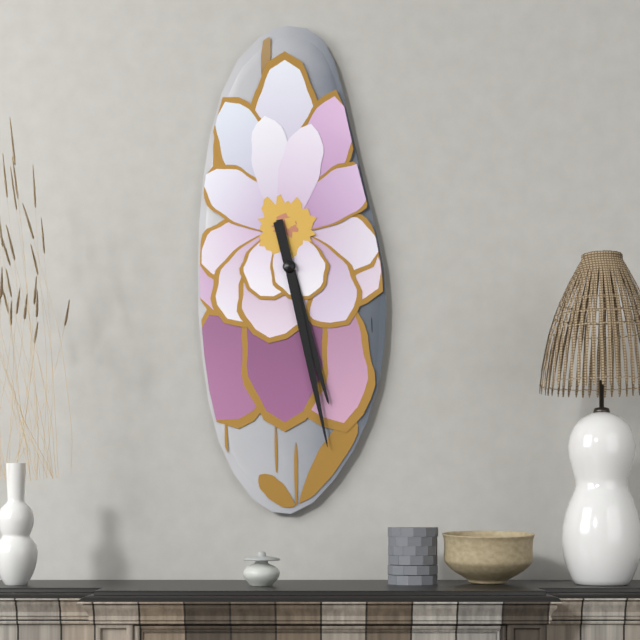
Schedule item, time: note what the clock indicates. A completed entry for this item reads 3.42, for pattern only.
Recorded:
5.28
